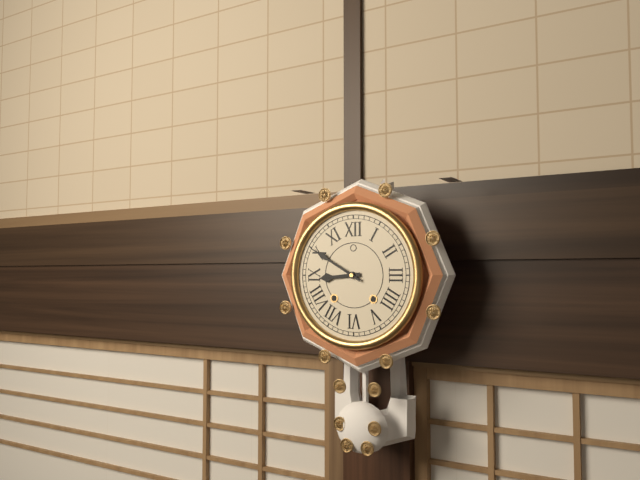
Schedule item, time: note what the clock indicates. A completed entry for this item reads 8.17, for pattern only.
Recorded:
8.50
